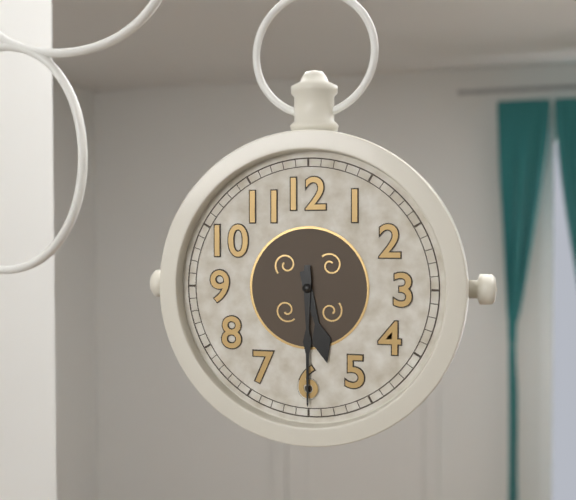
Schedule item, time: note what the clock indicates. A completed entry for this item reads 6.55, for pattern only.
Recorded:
5.30
